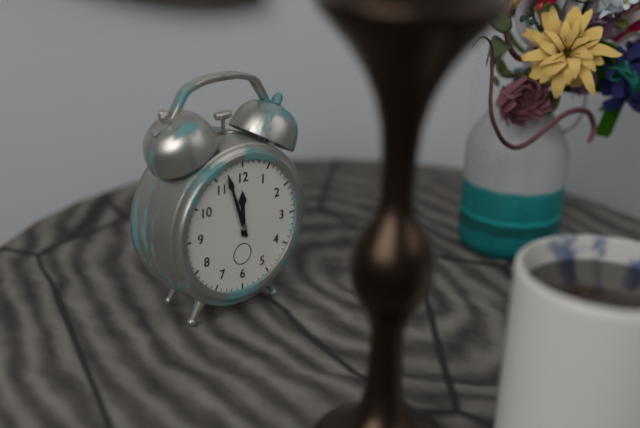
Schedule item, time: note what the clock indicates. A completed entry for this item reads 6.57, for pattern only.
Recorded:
11.57
